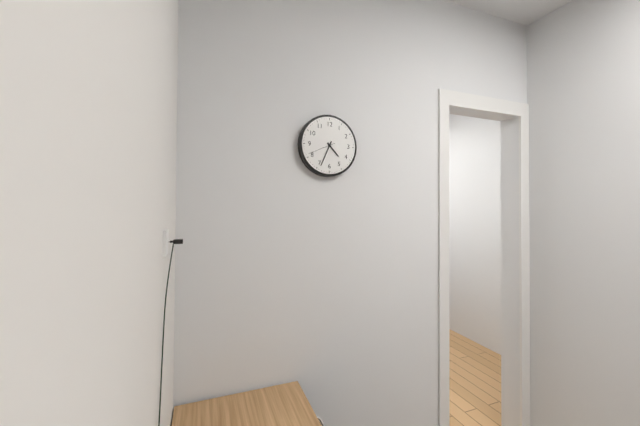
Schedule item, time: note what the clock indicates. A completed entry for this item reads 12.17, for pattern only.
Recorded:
4.34
